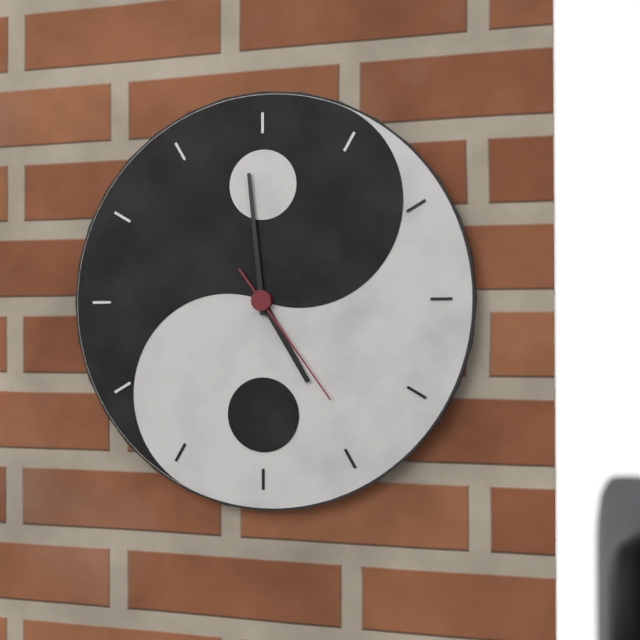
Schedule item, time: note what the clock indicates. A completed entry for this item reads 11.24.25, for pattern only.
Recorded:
4.59.24
